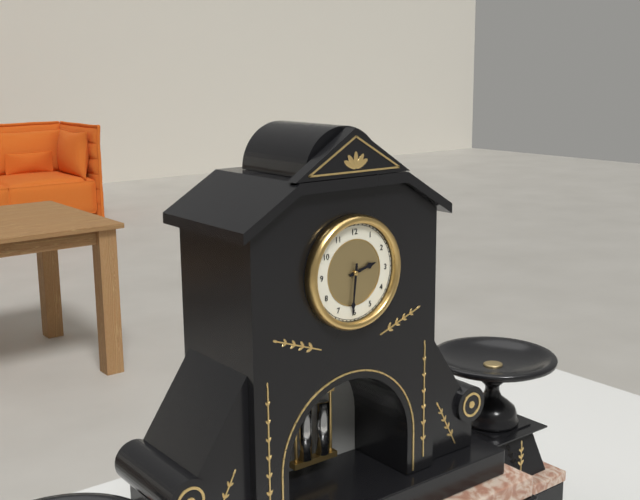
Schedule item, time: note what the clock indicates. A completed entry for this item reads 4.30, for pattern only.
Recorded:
2.31
